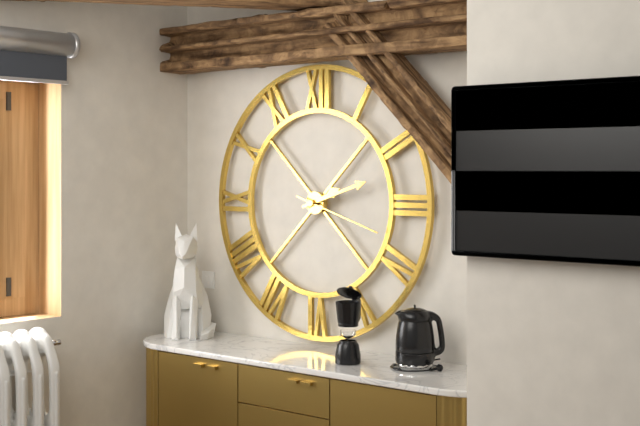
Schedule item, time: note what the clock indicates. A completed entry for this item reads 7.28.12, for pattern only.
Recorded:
2.12.18
